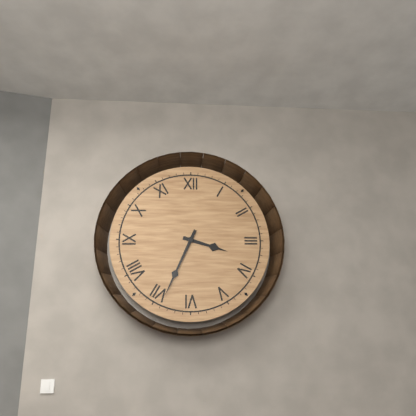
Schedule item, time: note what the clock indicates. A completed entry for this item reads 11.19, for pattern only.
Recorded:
3.34
